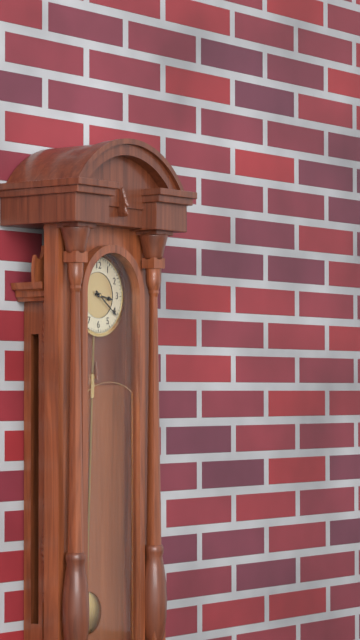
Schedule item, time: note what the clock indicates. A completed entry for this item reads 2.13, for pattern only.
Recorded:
3.21
